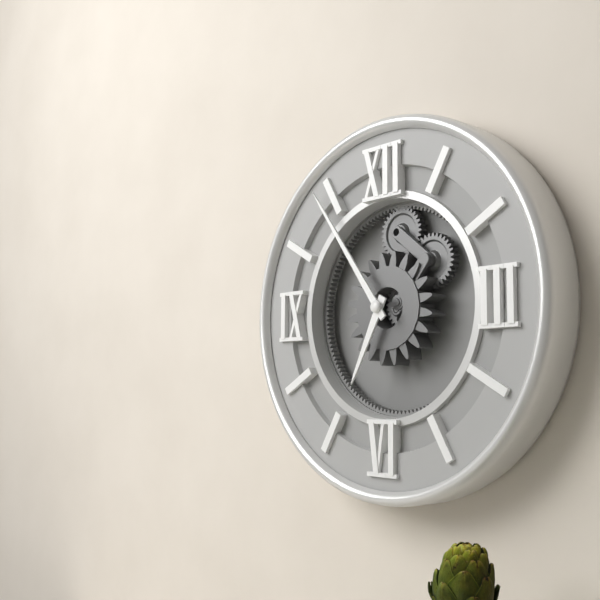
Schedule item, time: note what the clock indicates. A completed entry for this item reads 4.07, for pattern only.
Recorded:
6.54
